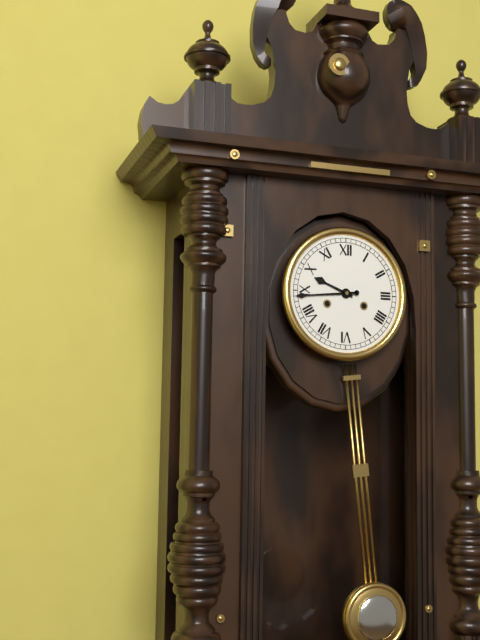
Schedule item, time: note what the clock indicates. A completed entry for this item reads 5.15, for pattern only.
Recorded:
9.44
